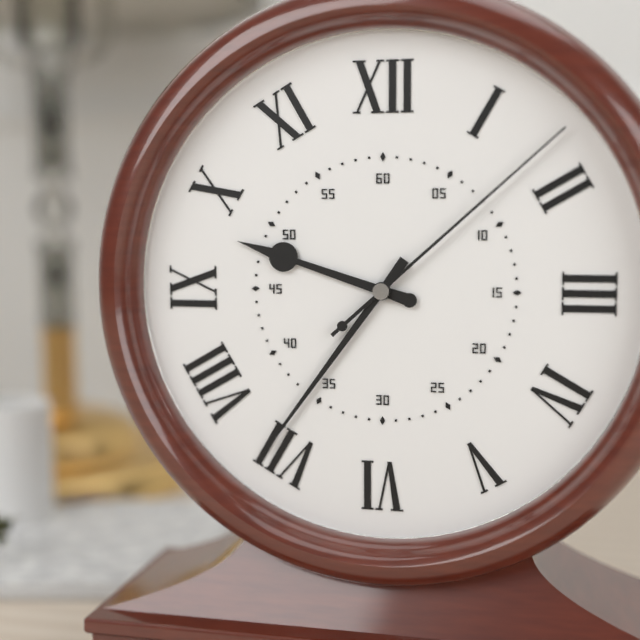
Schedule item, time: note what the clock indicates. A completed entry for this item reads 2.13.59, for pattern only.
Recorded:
9.36.08
